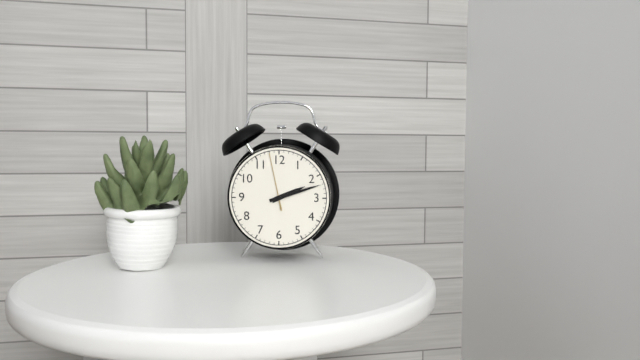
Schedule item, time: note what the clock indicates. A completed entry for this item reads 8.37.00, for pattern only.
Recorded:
2.12.58
